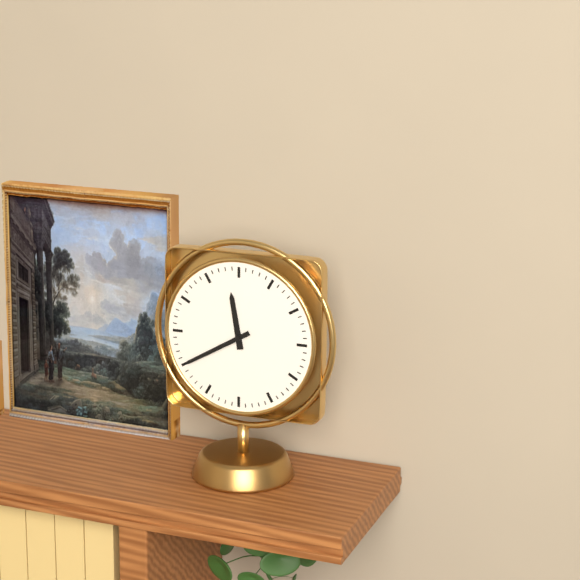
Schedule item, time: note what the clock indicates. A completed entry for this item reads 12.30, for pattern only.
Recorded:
11.40
